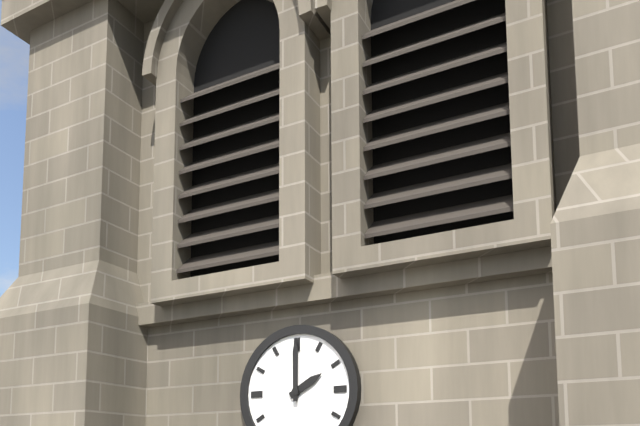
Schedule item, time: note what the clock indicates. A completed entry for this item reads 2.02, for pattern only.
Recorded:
2.00
